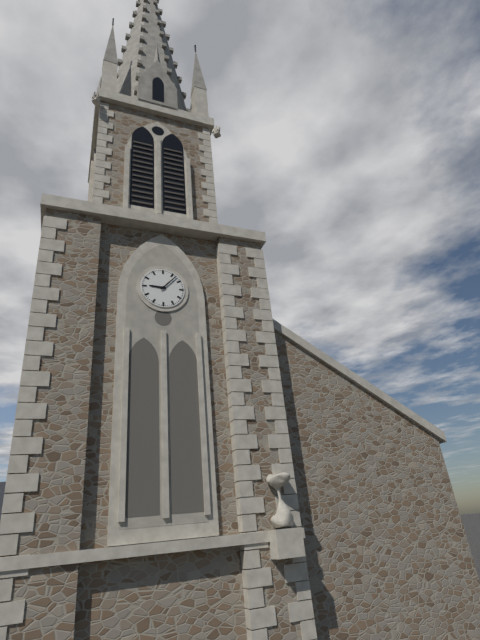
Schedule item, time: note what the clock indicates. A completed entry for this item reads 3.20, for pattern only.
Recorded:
9.07
